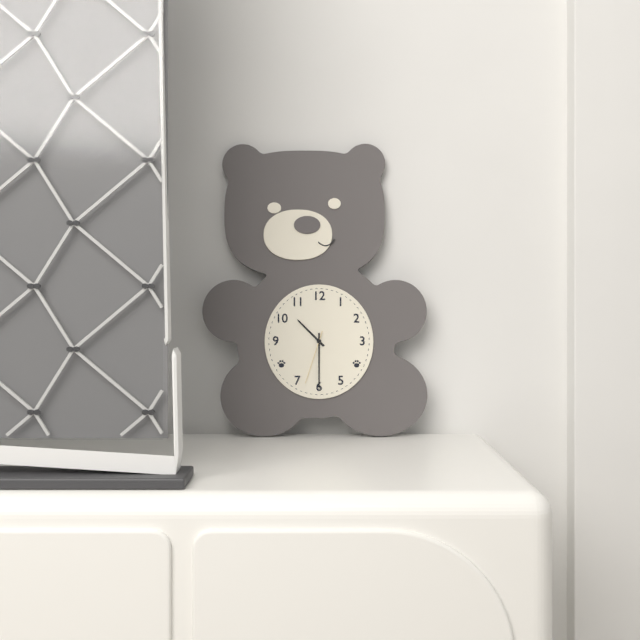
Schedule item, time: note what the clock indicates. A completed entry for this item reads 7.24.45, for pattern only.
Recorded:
10.30.33
